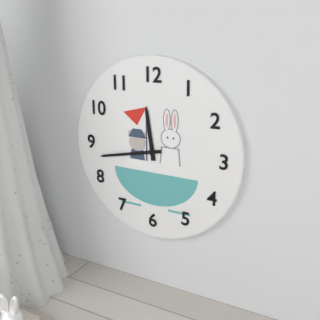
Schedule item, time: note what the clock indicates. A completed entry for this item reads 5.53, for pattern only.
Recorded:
11.43
